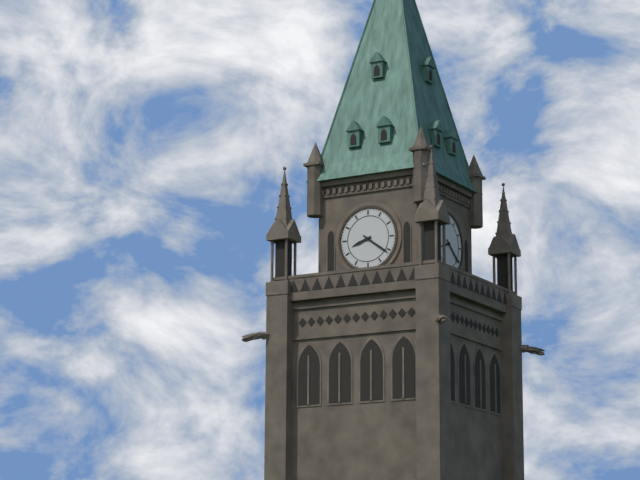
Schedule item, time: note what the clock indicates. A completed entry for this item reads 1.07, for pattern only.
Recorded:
8.21
